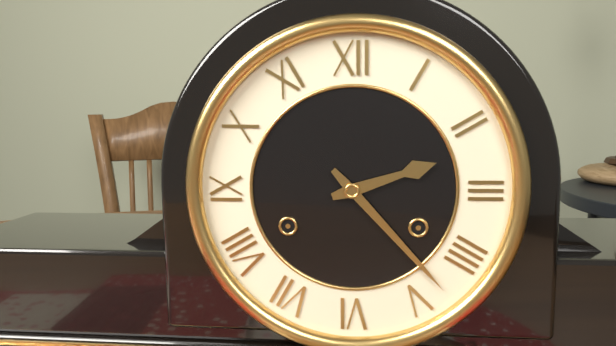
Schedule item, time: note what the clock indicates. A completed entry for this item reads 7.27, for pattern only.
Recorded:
2.23
